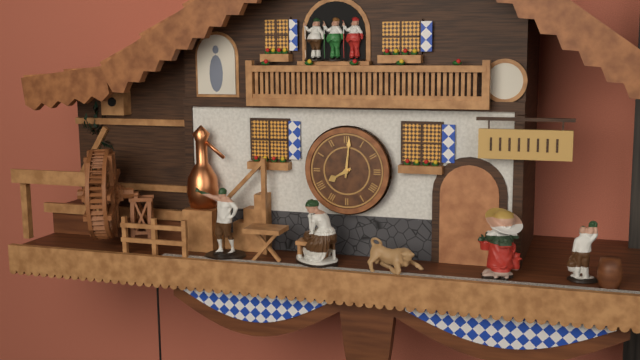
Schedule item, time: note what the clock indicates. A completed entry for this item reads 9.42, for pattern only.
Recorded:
8.01
